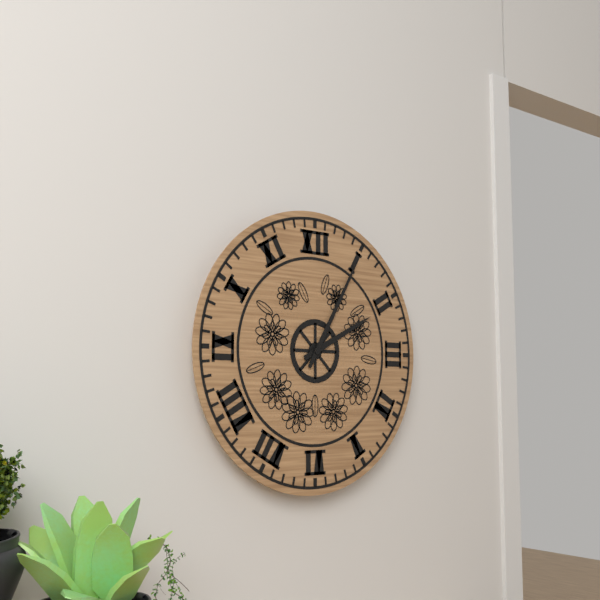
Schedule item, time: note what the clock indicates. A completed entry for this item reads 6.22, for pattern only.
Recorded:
2.05
